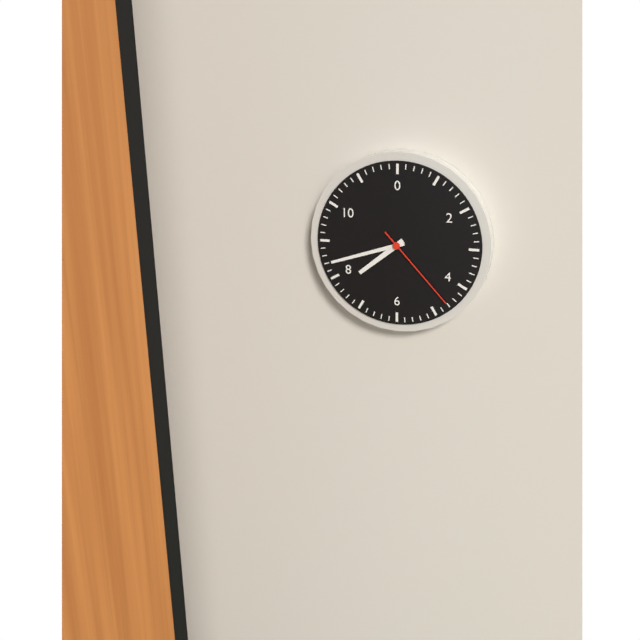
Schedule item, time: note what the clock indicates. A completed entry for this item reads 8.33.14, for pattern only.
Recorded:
7.42.23
